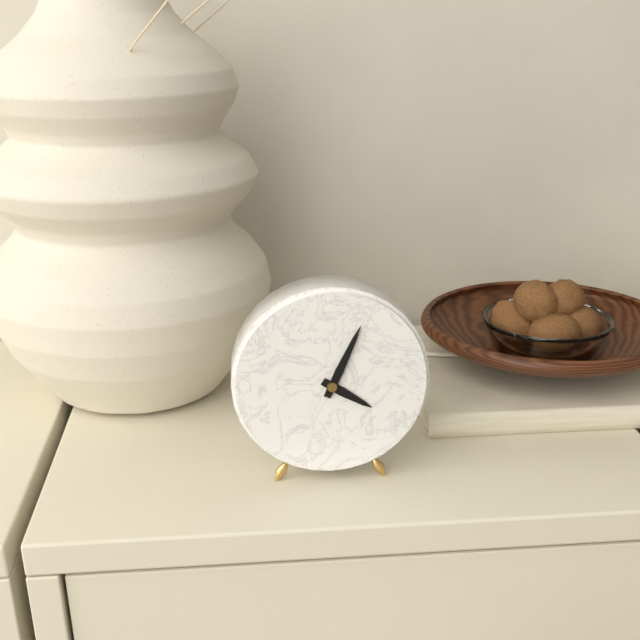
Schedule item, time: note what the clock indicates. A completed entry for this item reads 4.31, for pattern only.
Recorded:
4.04
